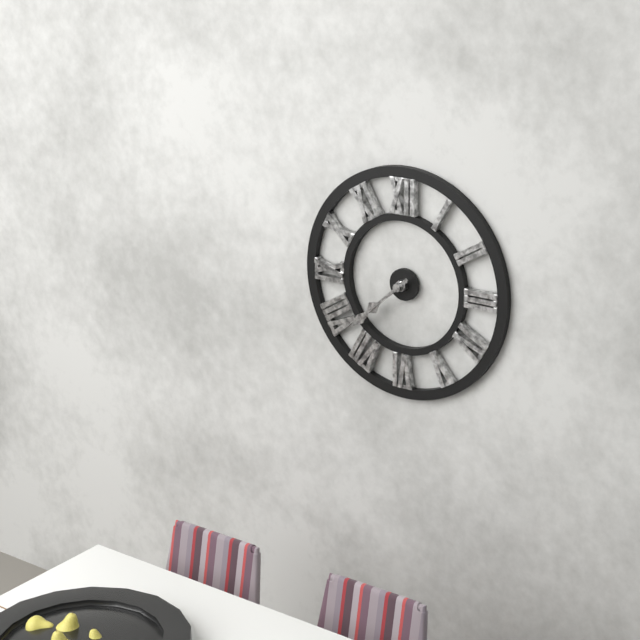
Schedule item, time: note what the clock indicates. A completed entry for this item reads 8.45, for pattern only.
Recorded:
7.38
